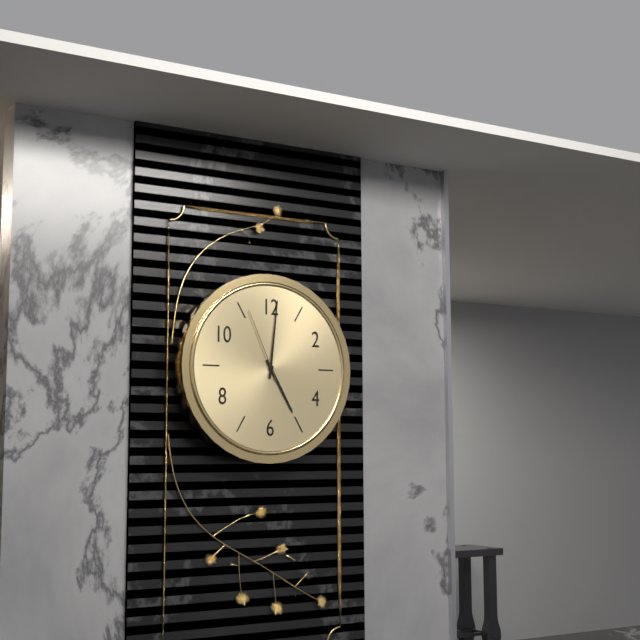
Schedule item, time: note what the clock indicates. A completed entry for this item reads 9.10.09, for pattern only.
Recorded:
5.01.56
